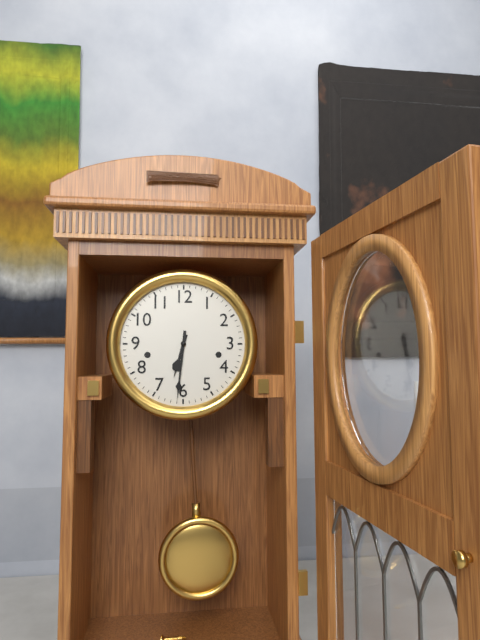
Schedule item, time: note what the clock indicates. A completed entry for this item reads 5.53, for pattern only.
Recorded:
6.31
